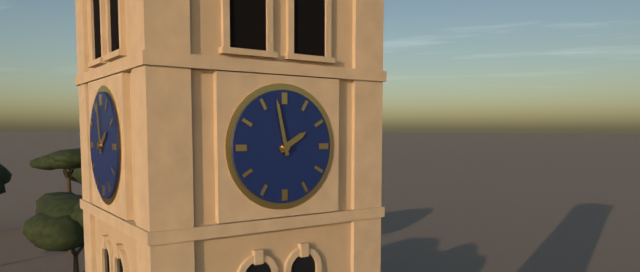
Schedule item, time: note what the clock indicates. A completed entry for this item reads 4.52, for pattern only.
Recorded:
1.58
